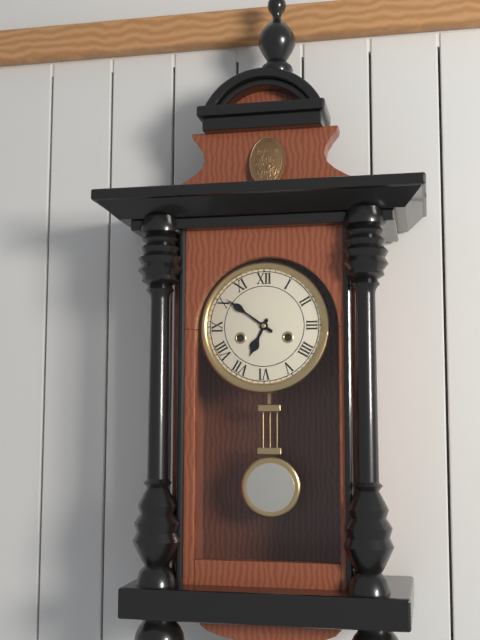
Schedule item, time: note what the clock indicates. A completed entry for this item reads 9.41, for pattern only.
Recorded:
6.51
